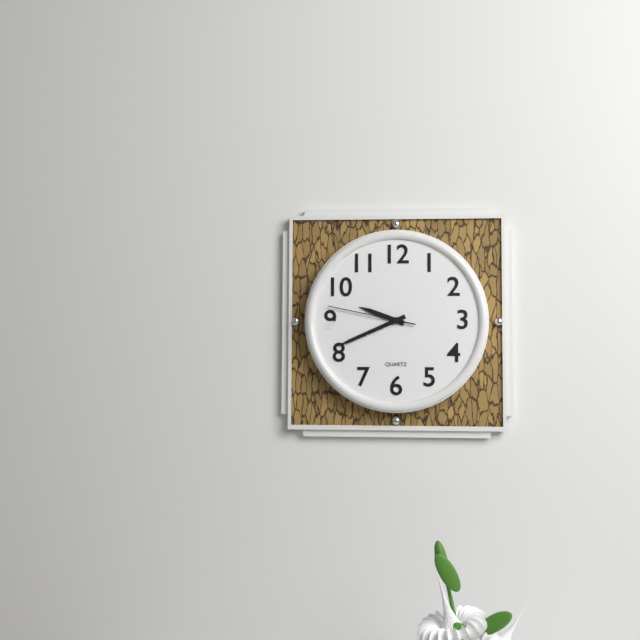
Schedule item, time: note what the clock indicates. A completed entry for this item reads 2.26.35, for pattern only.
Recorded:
9.41.47
